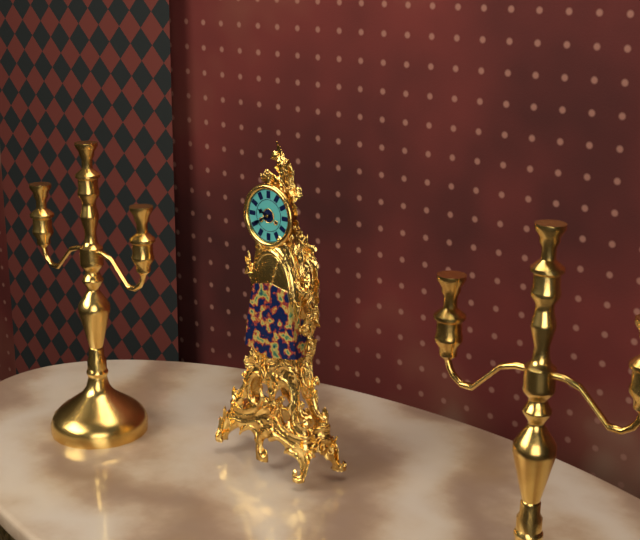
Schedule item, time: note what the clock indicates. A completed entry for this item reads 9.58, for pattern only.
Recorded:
9.40
